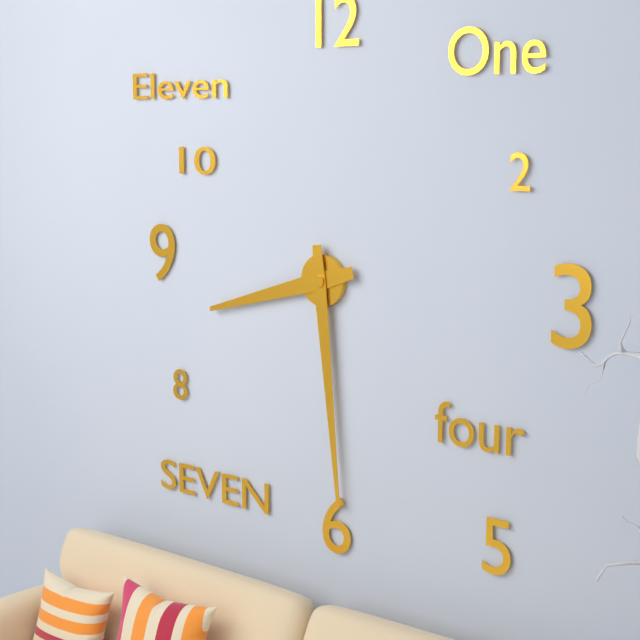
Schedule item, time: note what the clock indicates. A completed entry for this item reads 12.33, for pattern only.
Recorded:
8.29
